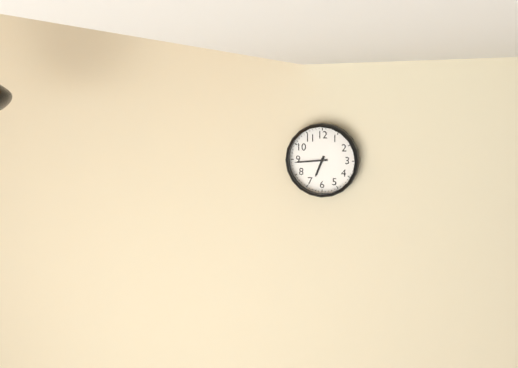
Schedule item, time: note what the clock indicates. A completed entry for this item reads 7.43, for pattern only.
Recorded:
6.44
